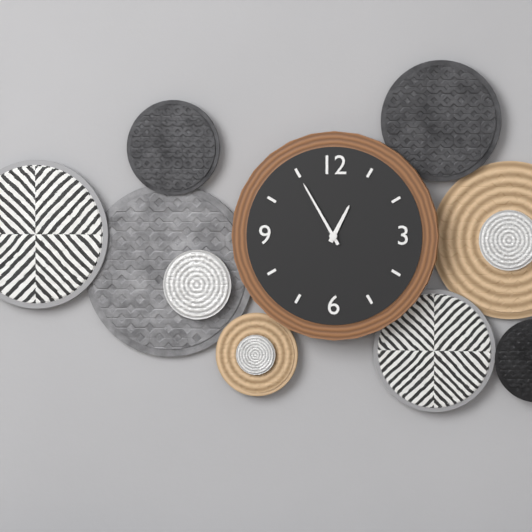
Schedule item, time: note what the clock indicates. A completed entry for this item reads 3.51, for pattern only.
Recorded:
12.55
